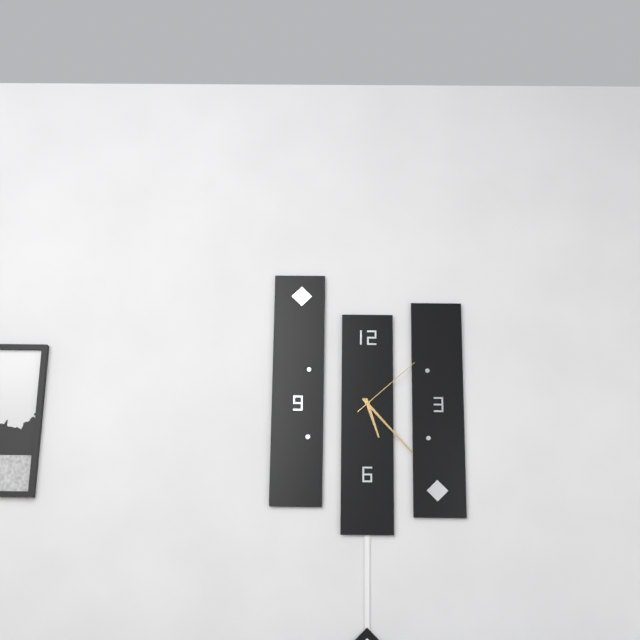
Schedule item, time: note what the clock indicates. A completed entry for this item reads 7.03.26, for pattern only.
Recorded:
5.23.08
